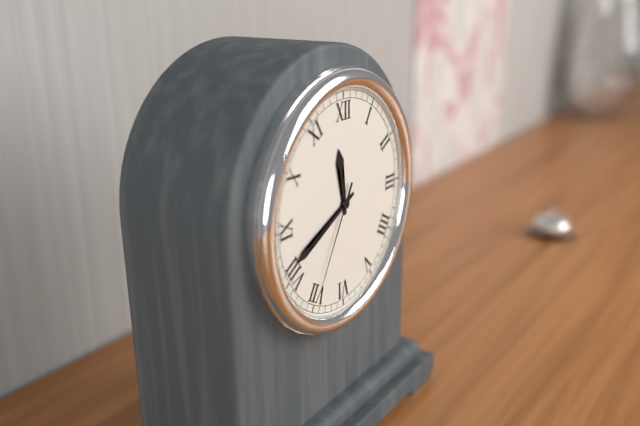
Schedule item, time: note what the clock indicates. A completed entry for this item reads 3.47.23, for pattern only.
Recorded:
11.41.35
